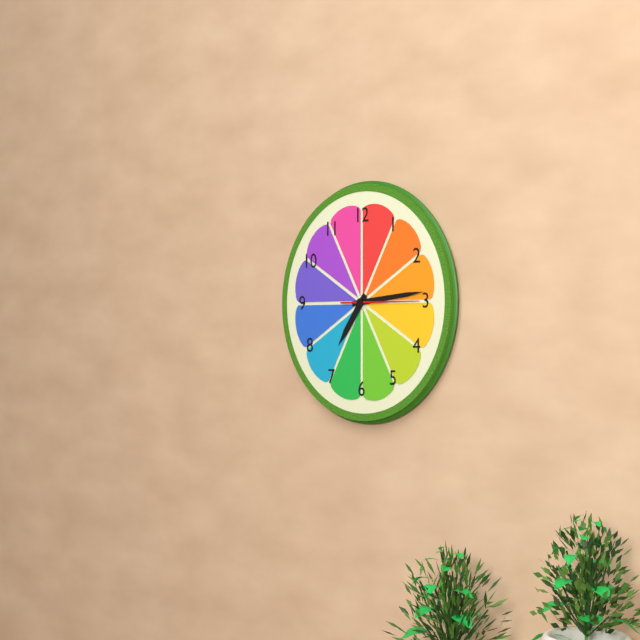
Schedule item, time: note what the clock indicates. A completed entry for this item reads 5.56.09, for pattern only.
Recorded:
7.14.15
